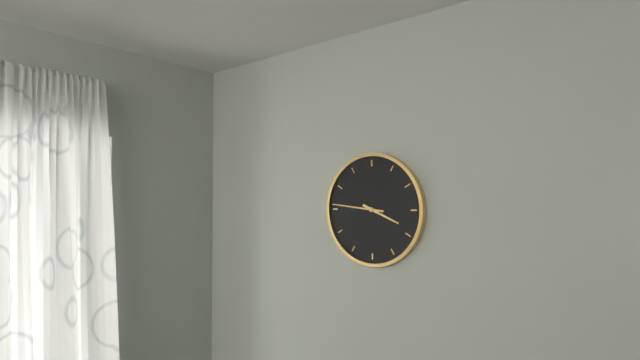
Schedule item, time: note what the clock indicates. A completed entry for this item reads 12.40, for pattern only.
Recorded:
3.46
